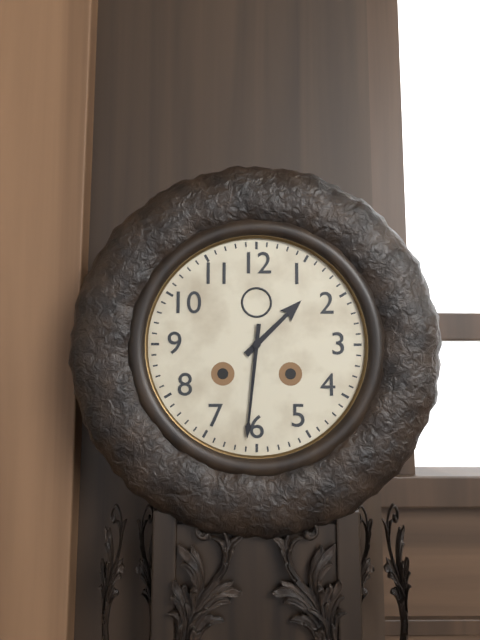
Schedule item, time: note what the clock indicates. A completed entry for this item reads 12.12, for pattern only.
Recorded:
1.31
